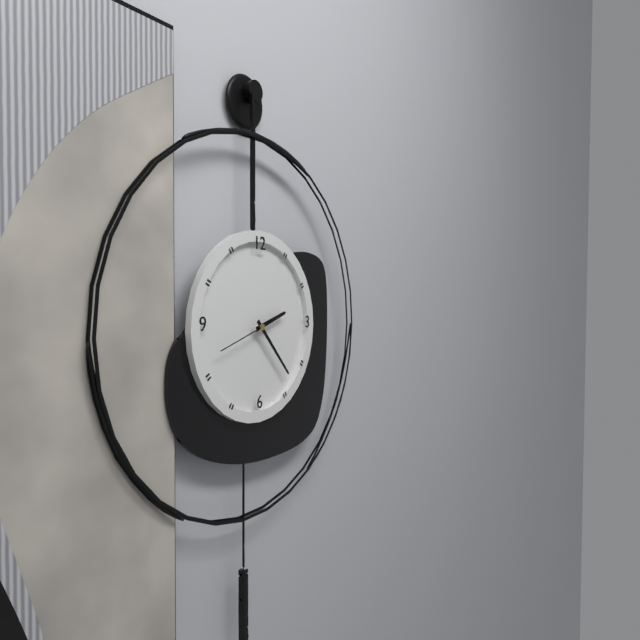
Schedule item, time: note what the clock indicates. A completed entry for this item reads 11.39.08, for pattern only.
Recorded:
2.23.42
